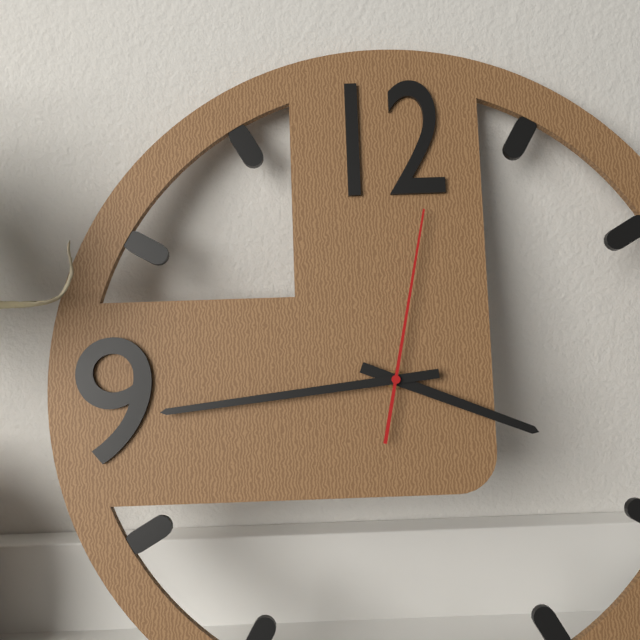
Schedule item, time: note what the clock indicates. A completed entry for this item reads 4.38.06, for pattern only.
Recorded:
3.44.02
